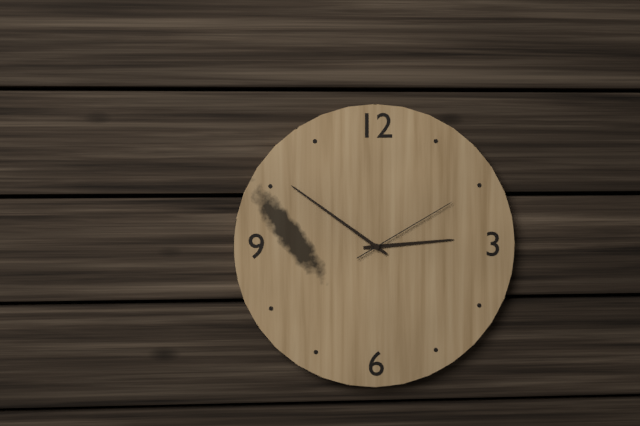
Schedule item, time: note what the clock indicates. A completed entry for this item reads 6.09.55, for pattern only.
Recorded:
2.51.10
